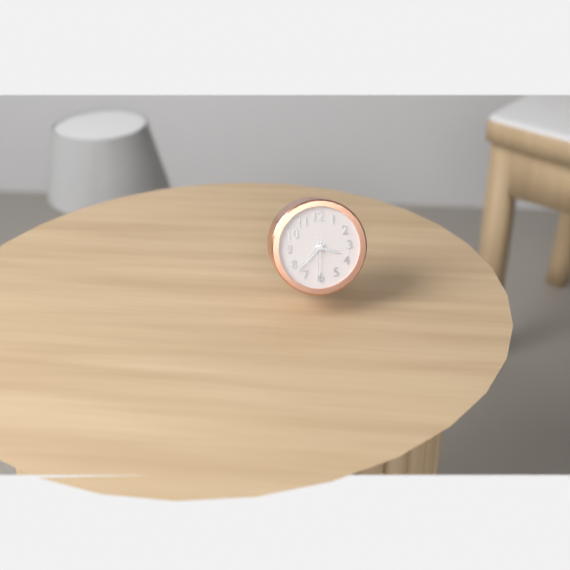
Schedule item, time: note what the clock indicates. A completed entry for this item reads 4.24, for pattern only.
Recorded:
3.38
